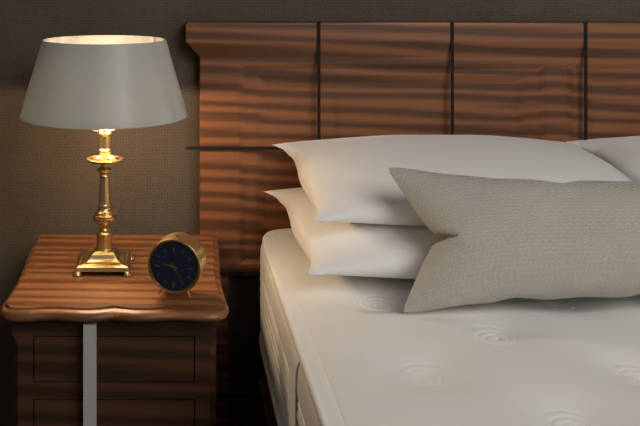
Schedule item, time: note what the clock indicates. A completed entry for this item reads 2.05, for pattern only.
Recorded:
9.25
